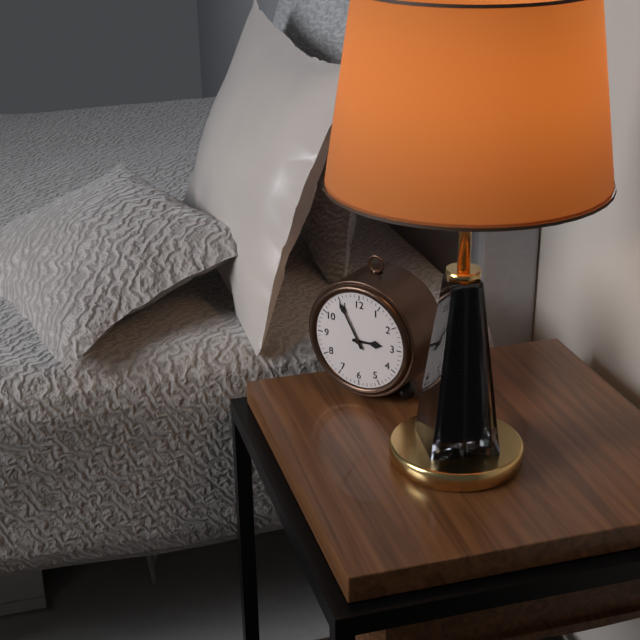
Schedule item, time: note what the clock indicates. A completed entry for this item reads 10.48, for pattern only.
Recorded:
2.55
